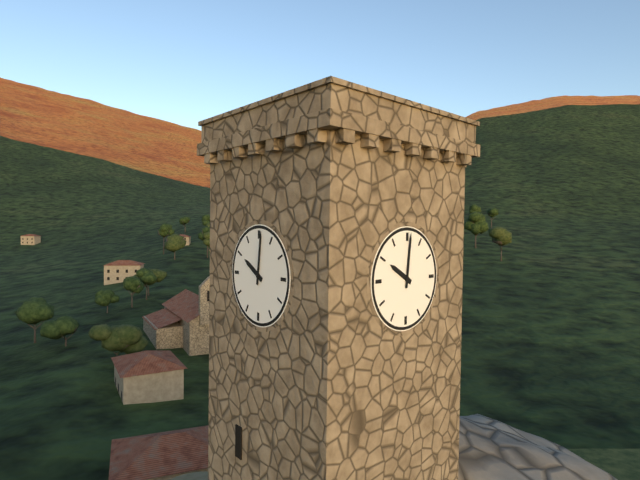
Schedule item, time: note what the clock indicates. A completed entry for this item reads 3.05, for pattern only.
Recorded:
10.01
